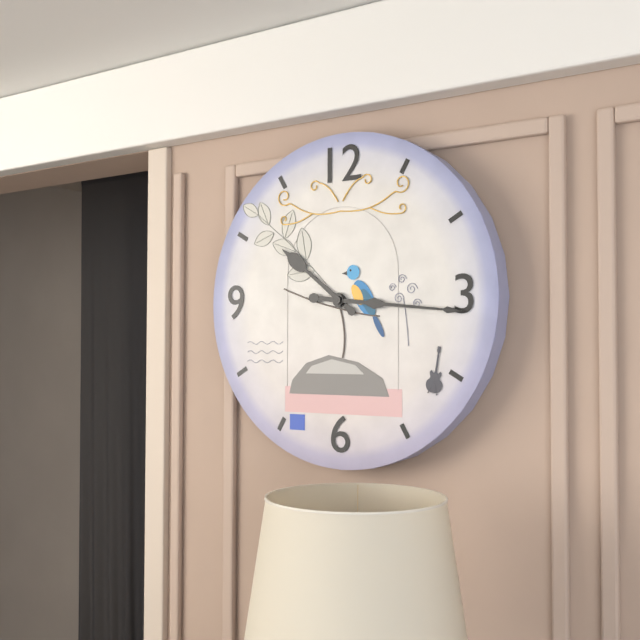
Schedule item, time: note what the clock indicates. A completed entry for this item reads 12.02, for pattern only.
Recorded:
10.16
